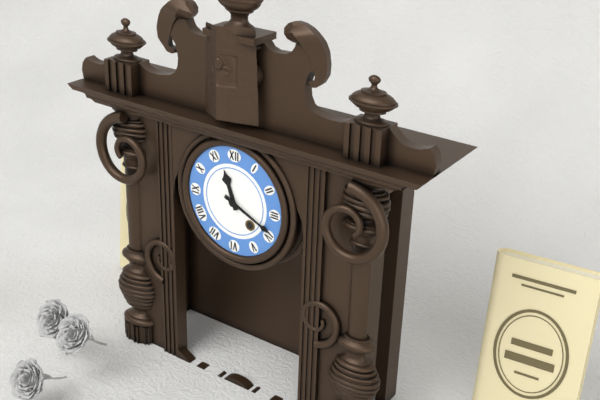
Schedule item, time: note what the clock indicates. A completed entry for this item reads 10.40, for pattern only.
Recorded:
11.19
